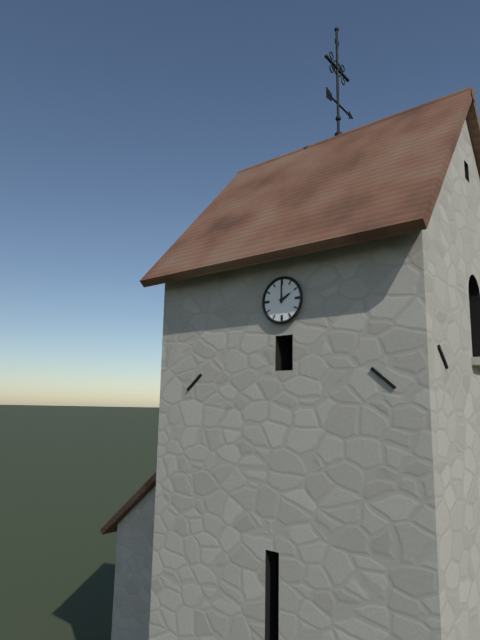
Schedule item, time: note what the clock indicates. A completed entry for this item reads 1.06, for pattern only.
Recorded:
2.00
